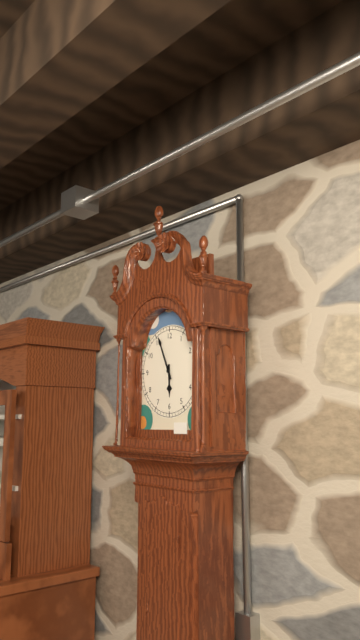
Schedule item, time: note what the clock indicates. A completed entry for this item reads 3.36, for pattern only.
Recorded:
5.56
